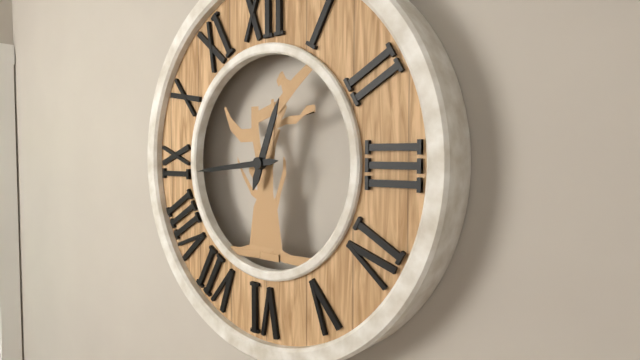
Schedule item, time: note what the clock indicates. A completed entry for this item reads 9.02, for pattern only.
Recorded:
12.44
